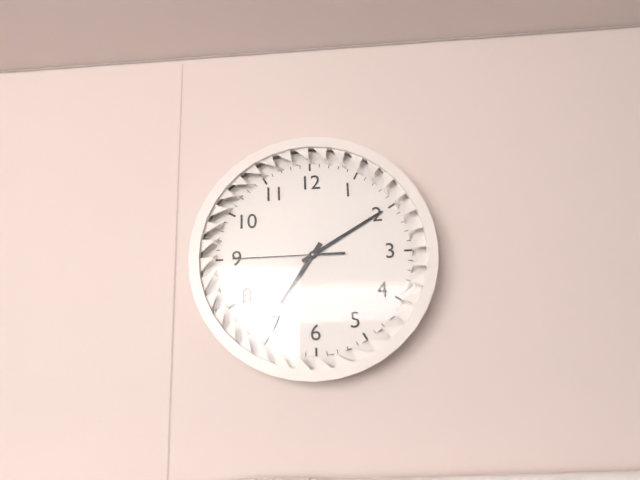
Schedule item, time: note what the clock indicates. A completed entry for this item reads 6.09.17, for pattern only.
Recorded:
7.10.45
